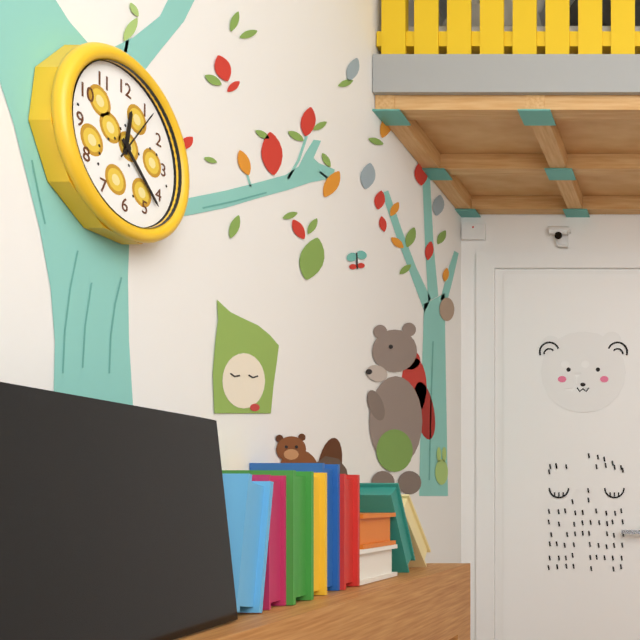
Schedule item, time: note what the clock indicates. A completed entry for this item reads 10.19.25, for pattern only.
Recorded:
12.22.06
